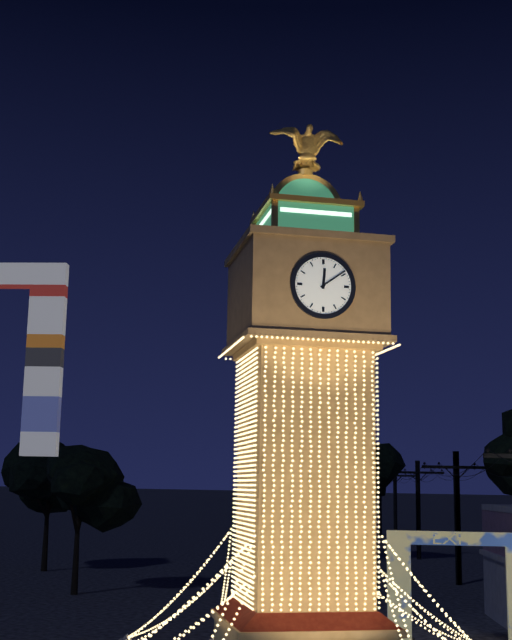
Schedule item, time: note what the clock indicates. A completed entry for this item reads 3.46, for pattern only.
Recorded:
12.09
